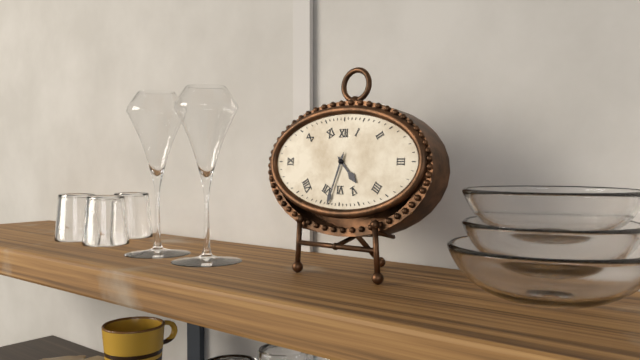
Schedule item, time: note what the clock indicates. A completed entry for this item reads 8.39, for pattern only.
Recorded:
4.33
